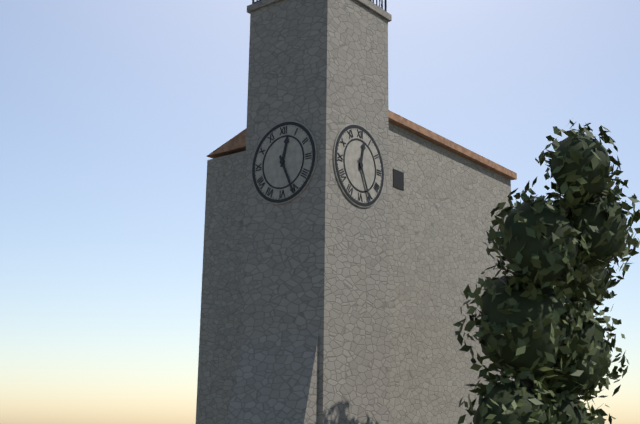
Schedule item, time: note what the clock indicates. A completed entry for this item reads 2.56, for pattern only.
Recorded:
12.26
